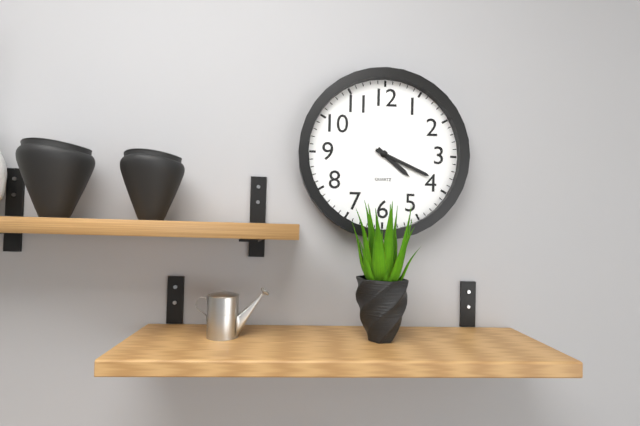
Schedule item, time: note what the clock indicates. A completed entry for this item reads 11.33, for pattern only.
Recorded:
4.19
